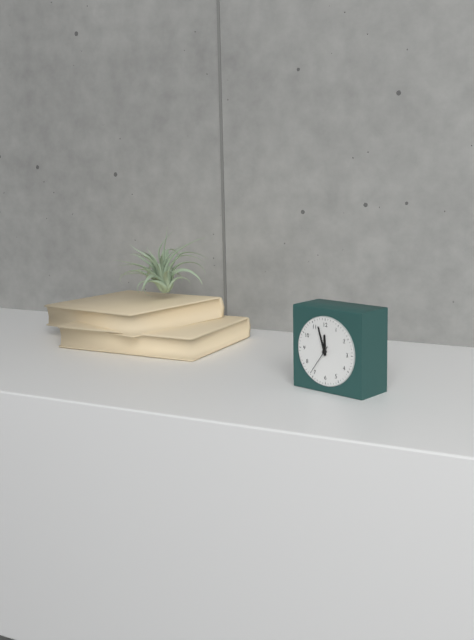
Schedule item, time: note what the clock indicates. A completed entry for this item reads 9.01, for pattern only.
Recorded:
11.57
